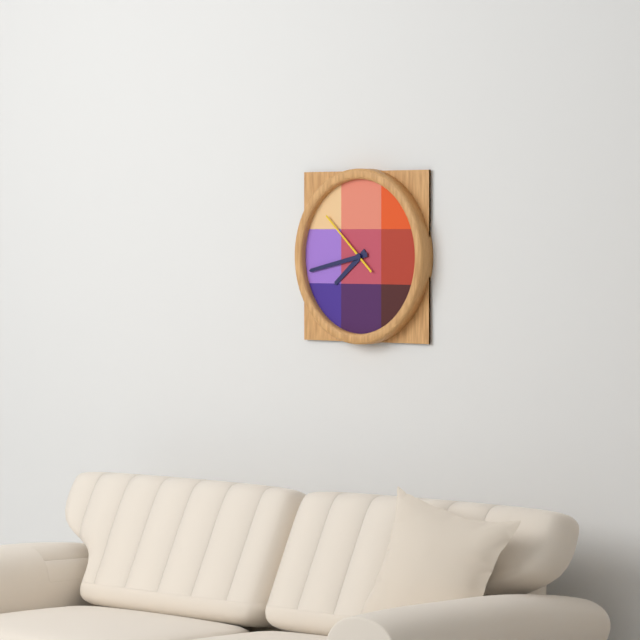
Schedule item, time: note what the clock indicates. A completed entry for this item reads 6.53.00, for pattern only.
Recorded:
7.43.52
